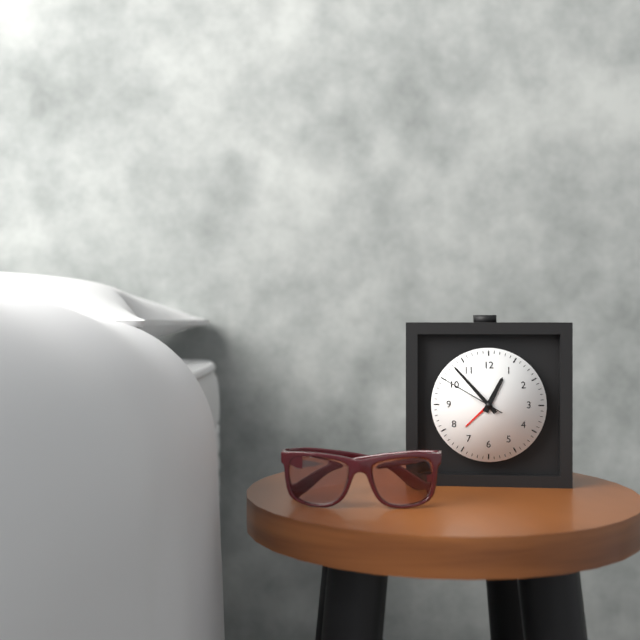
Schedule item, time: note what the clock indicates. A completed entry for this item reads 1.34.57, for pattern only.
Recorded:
12.53.50
